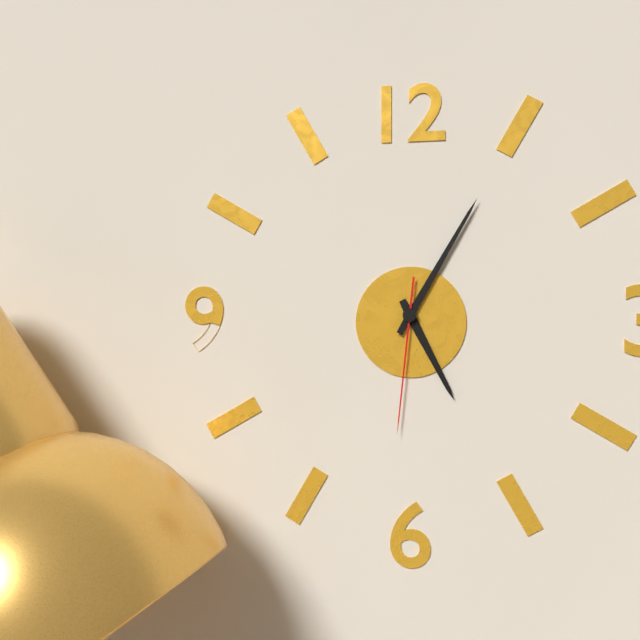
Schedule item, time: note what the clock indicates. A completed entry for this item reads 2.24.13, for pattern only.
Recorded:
5.05.31
